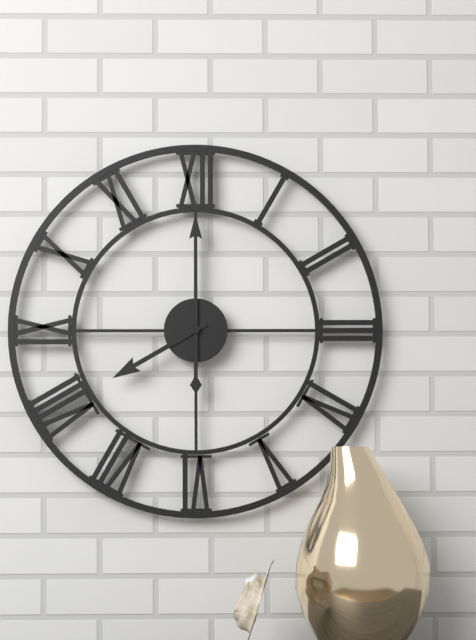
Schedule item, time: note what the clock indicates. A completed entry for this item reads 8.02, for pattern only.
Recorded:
8.00
